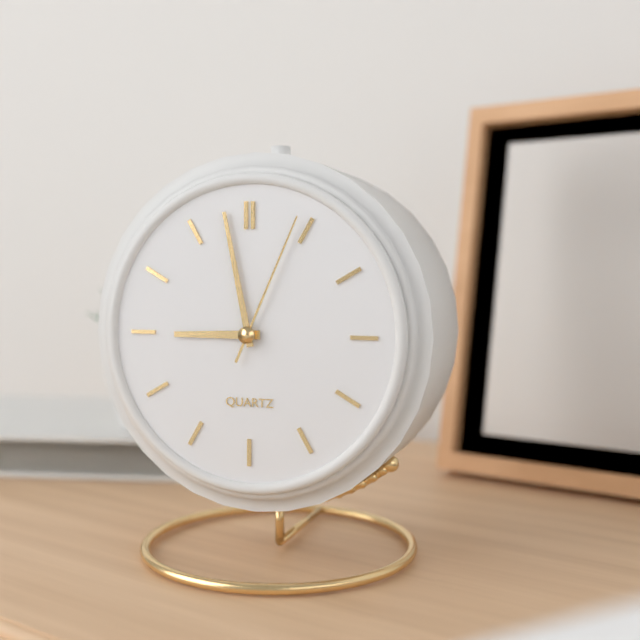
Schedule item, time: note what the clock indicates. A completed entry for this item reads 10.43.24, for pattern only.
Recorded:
8.58.04
